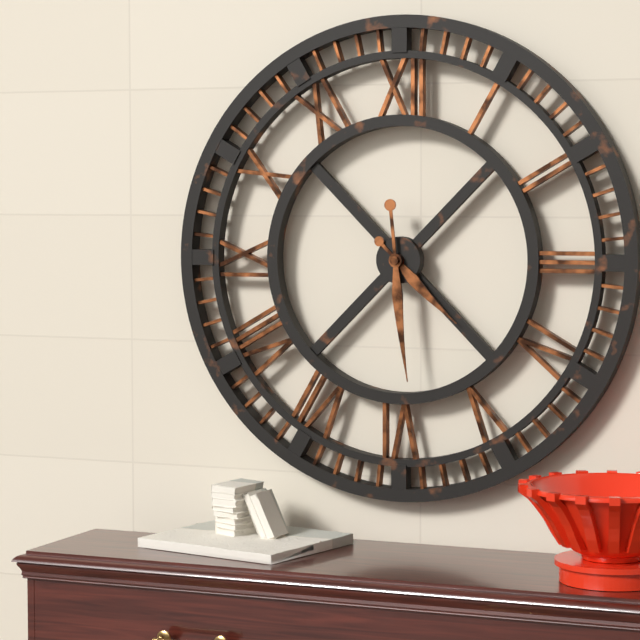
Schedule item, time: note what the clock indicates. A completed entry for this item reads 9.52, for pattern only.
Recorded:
4.29
